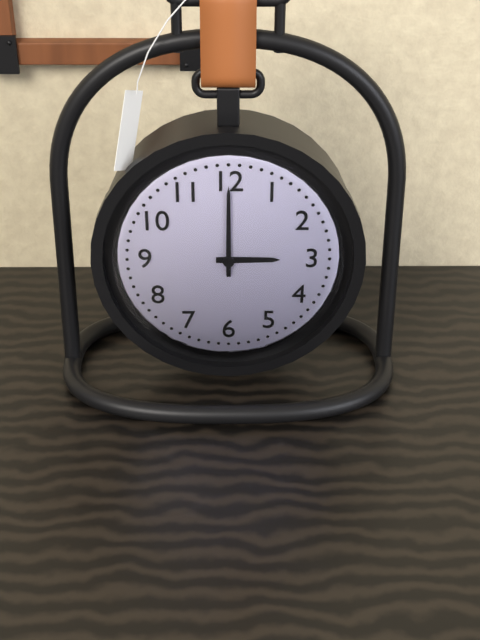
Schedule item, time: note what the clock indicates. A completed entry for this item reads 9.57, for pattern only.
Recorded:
3.00
